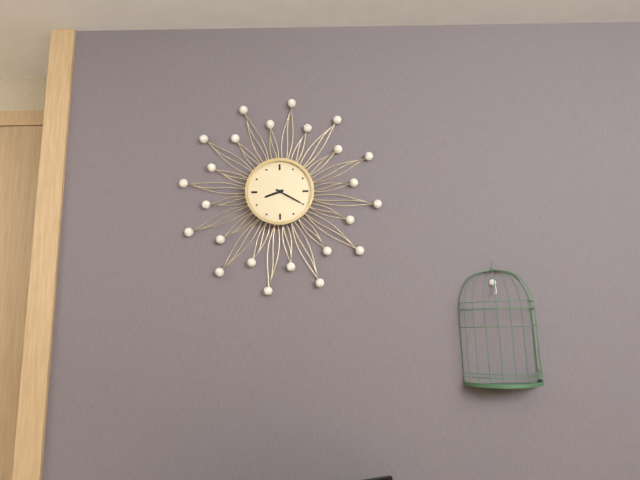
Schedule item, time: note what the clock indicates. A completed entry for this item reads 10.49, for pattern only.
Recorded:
8.20
